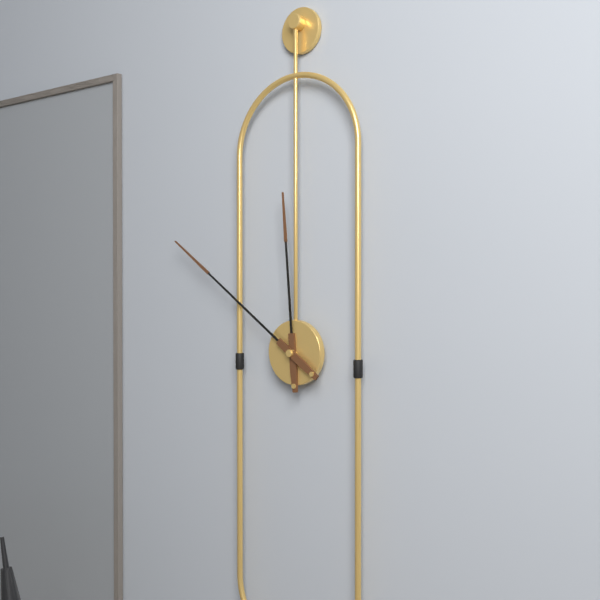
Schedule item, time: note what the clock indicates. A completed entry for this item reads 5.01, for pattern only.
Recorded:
11.51
